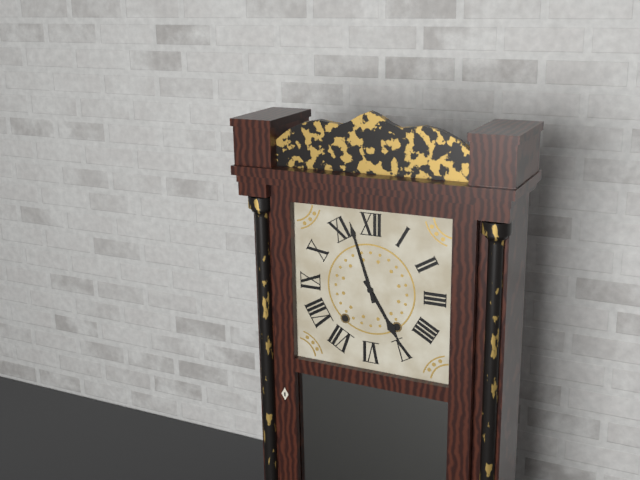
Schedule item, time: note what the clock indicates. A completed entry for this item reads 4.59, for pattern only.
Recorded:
4.57
